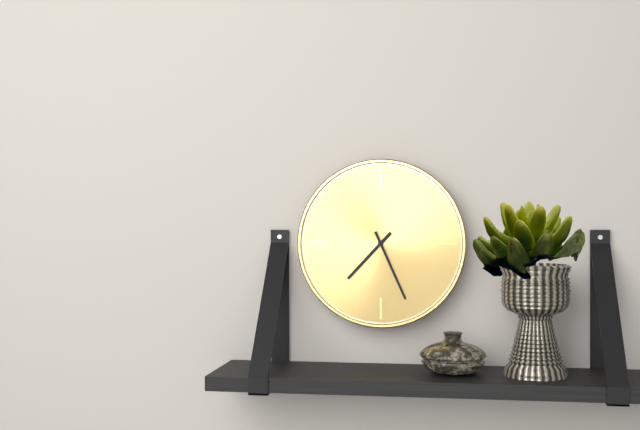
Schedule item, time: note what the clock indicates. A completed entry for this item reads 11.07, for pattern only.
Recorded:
7.26
